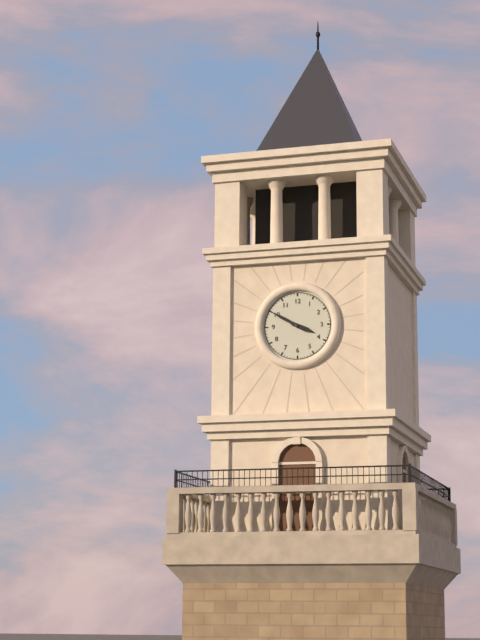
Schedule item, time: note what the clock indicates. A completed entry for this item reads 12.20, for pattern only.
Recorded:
3.50
